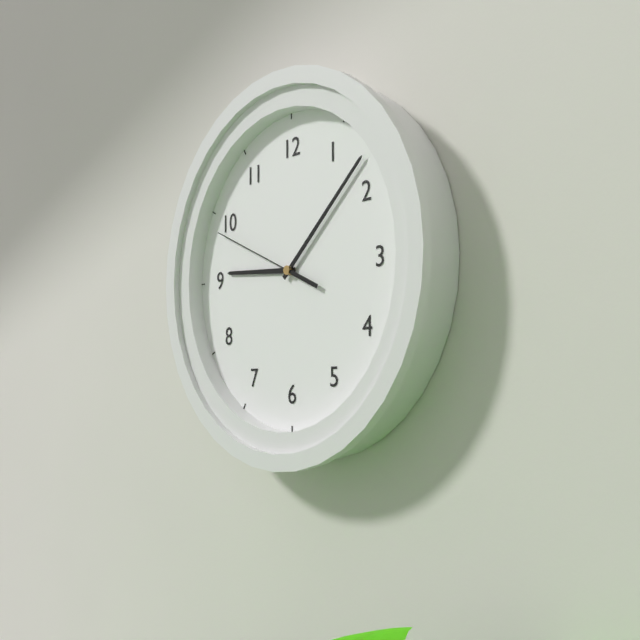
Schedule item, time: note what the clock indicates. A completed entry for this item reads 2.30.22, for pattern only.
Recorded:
9.08.49
